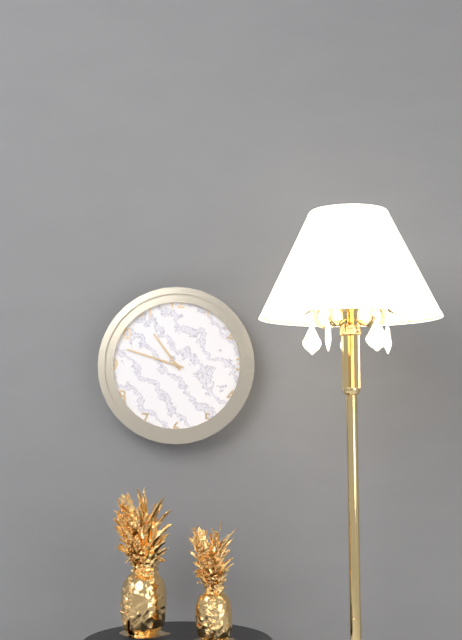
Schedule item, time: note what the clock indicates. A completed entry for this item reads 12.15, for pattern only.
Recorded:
10.48
